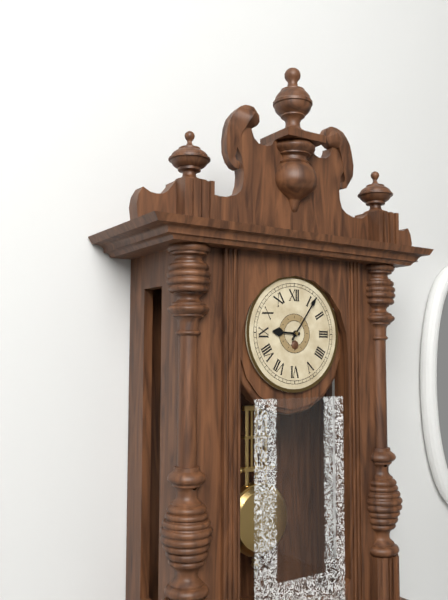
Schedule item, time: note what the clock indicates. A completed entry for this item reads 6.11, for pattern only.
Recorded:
9.06
